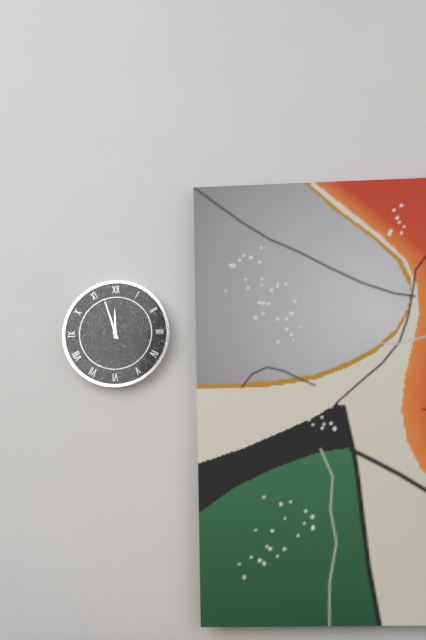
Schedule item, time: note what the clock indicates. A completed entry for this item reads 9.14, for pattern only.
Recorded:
11.57
